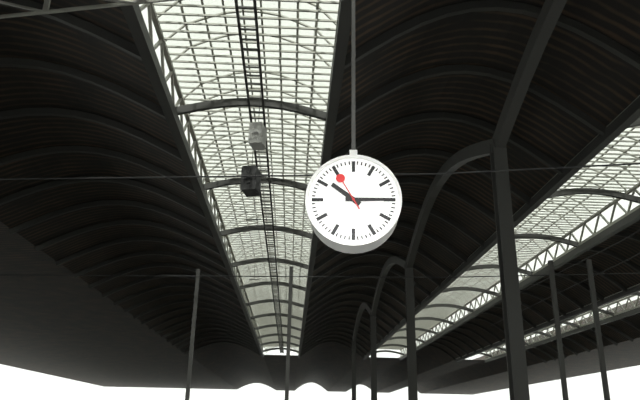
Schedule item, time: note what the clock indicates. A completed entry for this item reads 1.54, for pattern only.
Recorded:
10.15
